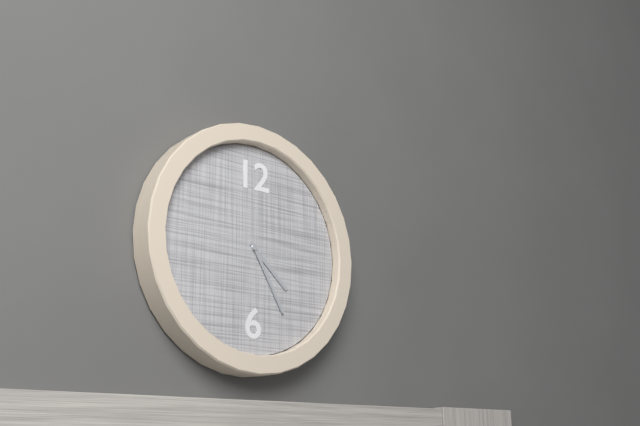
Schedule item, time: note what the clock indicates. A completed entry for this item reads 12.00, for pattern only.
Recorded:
4.25
